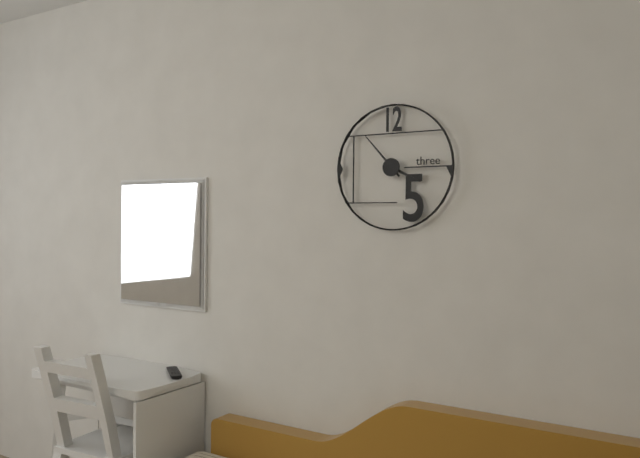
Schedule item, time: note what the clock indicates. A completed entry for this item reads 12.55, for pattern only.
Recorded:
3.53
